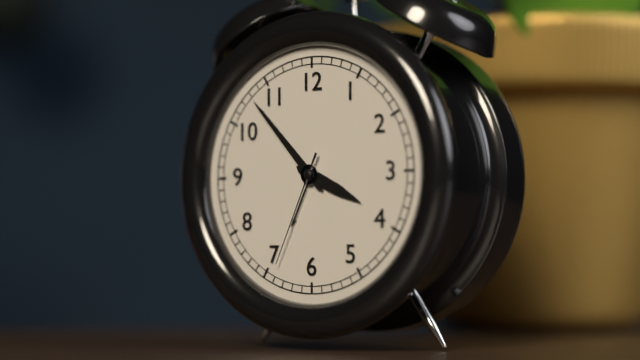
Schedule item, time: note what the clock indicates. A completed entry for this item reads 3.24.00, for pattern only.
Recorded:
3.53.34
